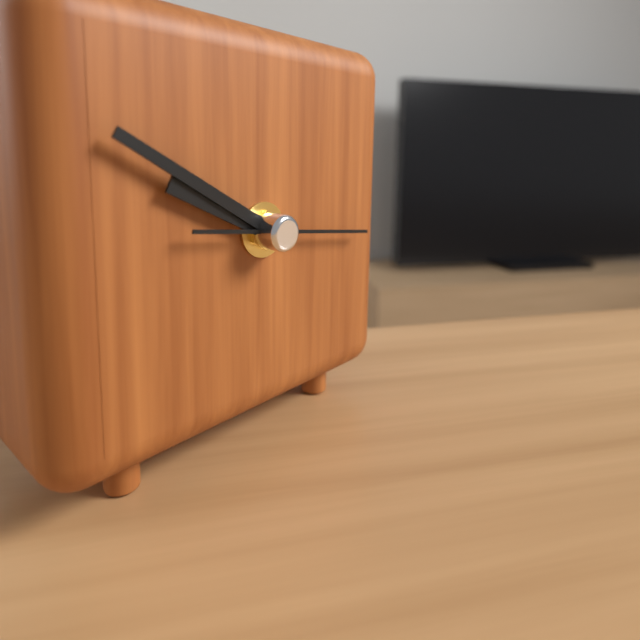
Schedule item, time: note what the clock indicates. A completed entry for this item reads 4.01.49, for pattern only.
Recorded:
9.50.16
